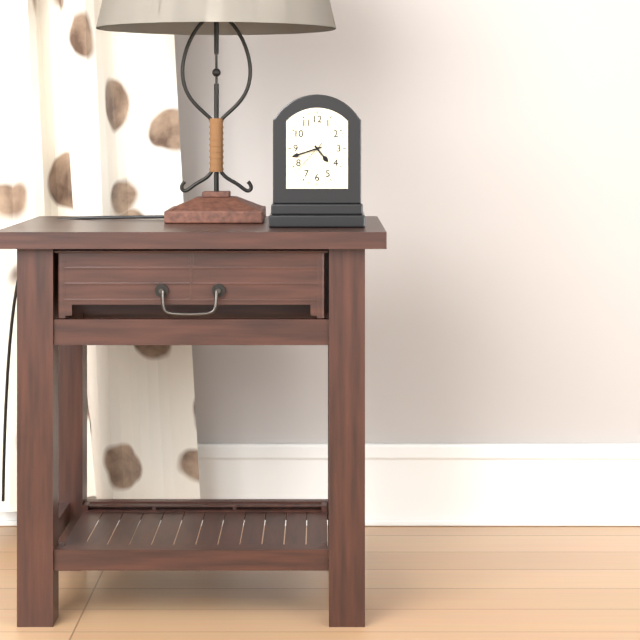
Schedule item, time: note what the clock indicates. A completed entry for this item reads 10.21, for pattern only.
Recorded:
4.42
